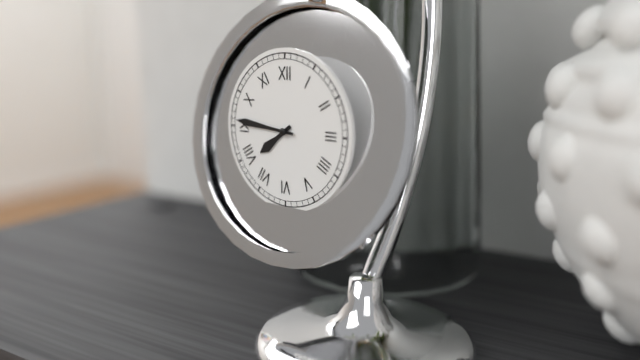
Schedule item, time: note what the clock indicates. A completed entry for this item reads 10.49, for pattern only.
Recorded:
7.46
